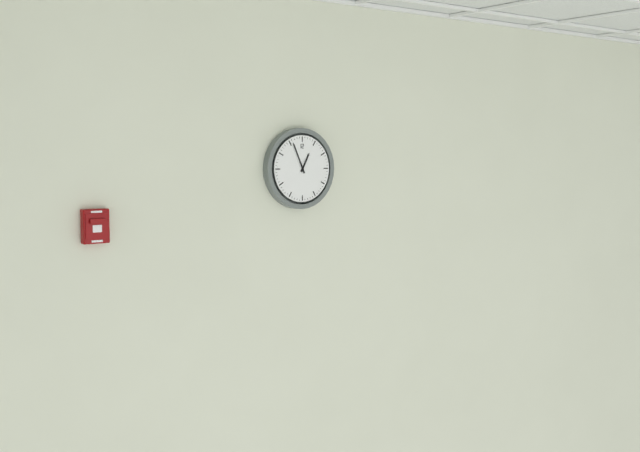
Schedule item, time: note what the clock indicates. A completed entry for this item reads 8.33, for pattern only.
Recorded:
12.56
